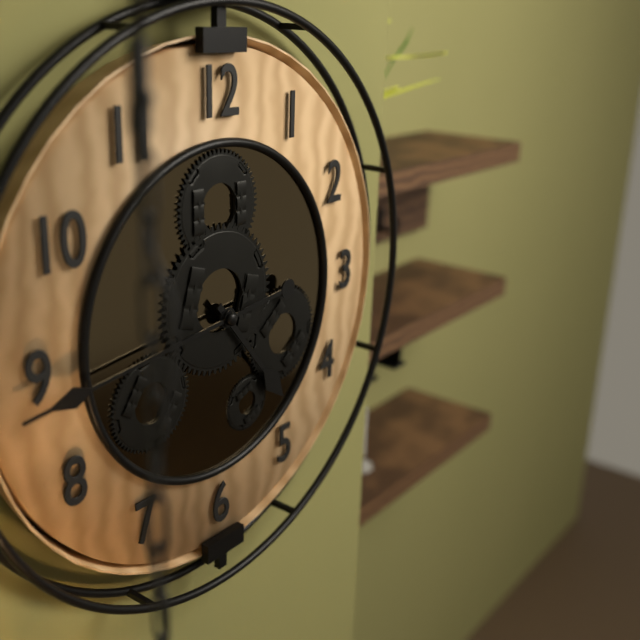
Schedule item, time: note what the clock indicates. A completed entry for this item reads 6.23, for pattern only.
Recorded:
4.44
